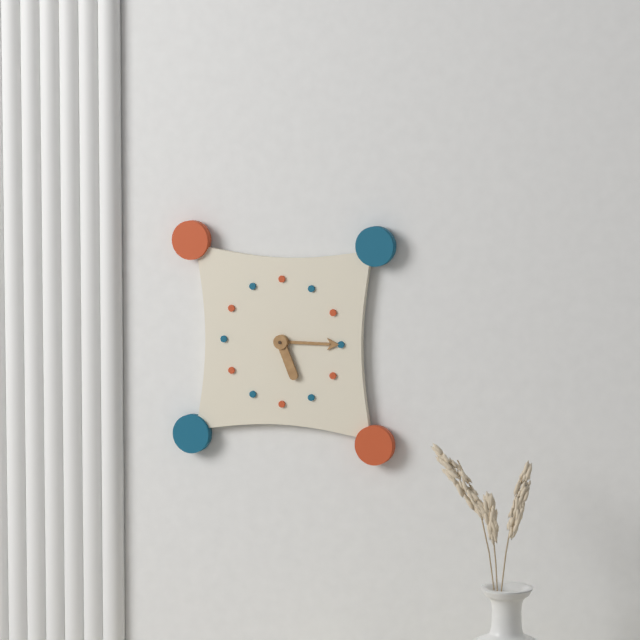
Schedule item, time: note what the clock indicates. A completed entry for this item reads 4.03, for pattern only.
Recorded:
5.15
